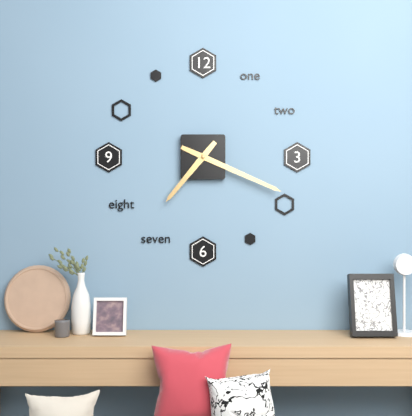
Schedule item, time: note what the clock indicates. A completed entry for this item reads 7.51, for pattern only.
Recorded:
7.19
